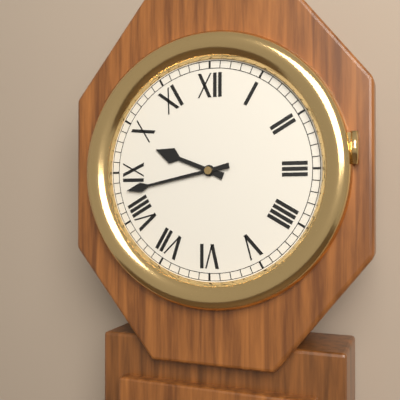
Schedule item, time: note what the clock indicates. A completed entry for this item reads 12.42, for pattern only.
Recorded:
9.43
